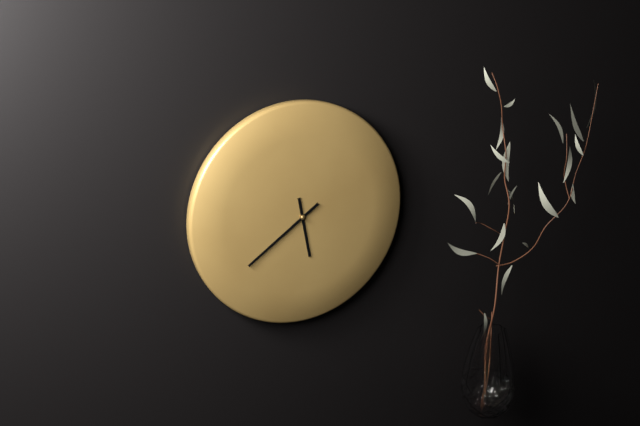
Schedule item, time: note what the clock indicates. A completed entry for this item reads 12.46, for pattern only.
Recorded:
5.39
